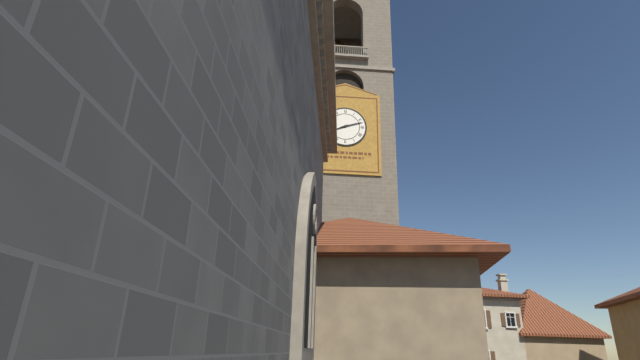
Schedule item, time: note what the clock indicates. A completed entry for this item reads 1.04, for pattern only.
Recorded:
8.12
